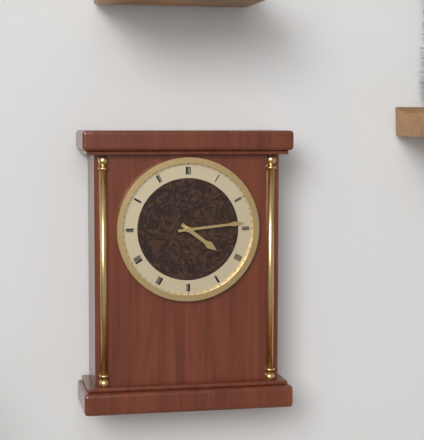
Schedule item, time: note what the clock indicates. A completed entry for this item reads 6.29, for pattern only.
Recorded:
4.14
